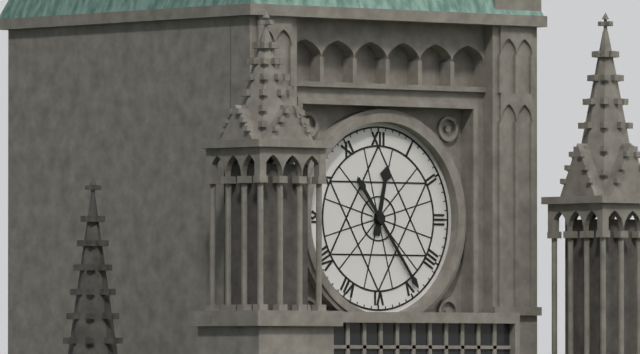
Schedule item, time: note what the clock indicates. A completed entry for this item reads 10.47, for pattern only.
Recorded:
12.24
